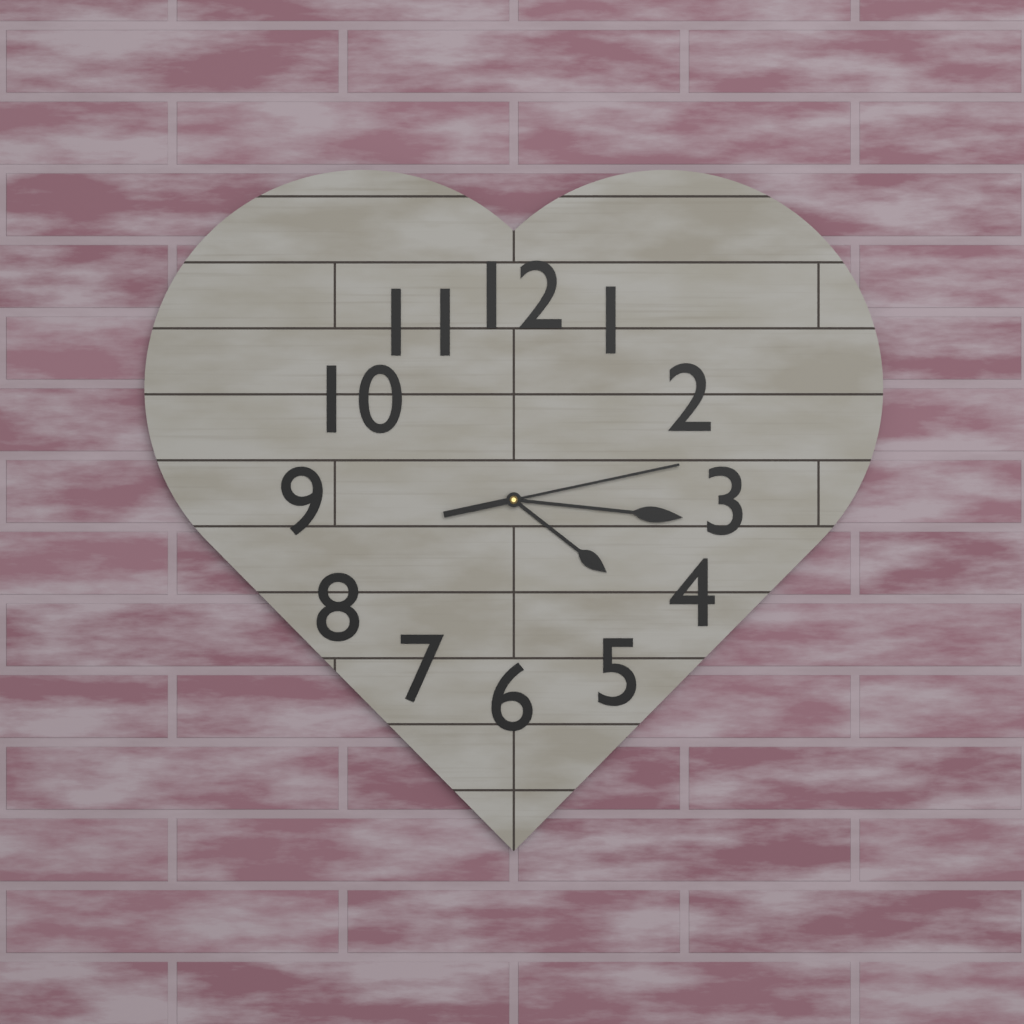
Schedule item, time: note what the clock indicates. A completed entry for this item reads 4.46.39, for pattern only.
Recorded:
4.16.13
